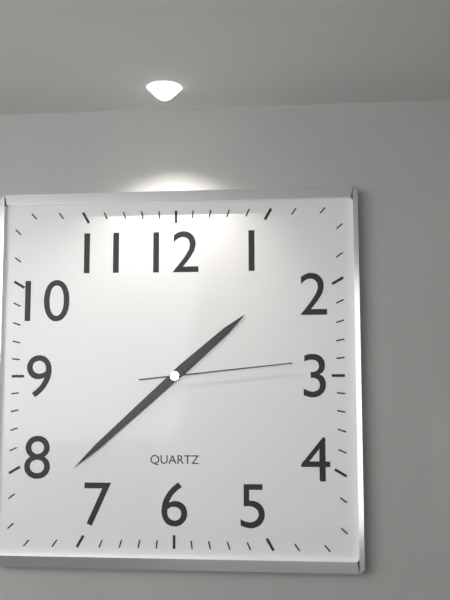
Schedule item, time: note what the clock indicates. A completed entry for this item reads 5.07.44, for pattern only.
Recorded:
1.38.14
